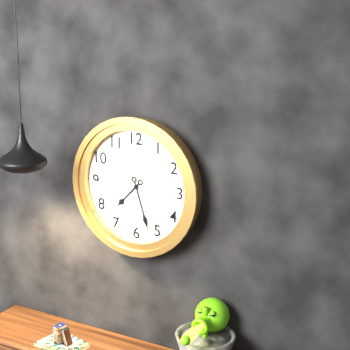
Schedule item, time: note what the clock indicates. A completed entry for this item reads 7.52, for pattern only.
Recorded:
7.27
